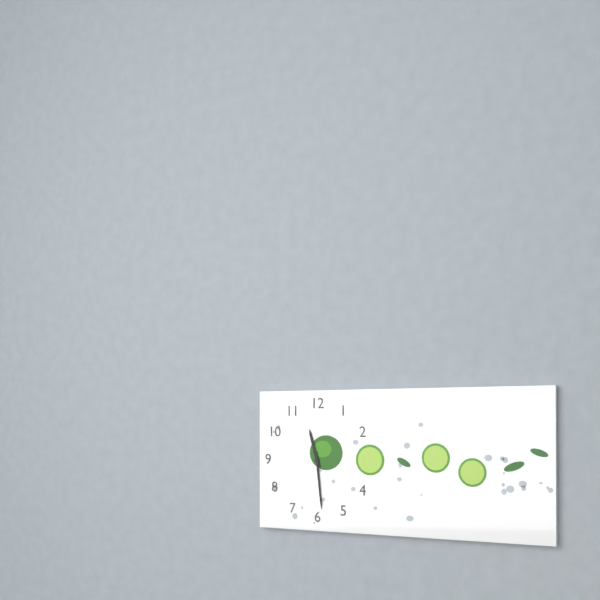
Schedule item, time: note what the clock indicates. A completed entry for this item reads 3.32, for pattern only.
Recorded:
11.29
